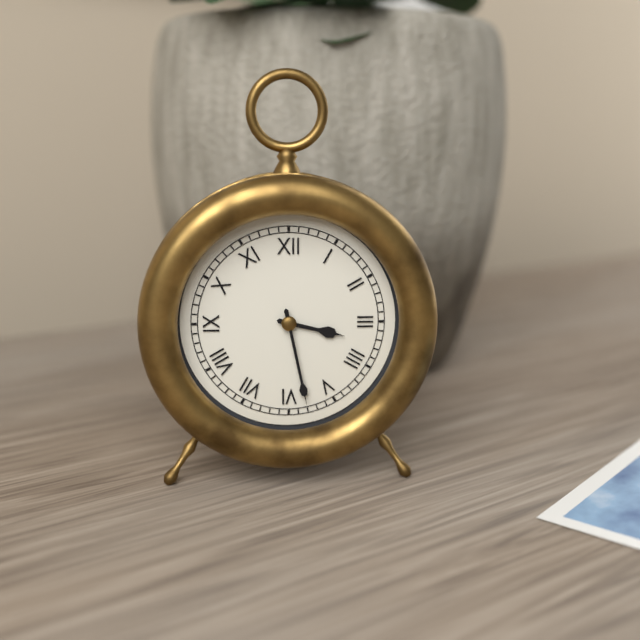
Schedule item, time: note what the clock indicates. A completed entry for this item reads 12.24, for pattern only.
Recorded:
3.28
